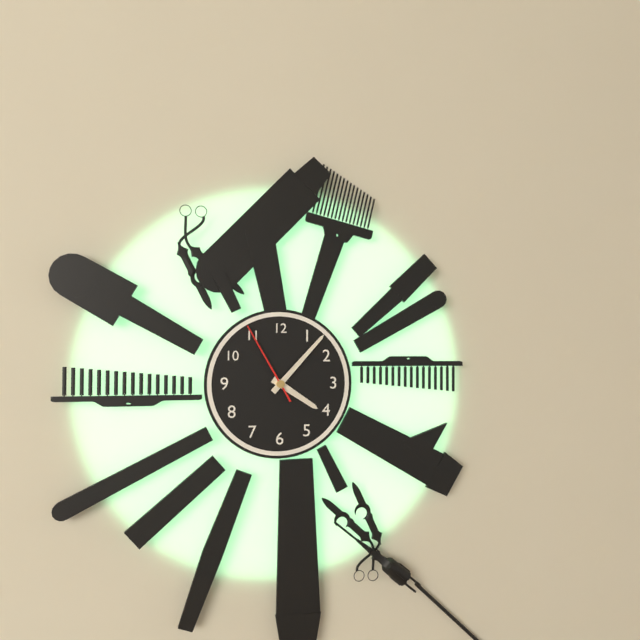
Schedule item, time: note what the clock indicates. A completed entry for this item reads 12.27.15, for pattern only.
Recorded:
4.07.55
